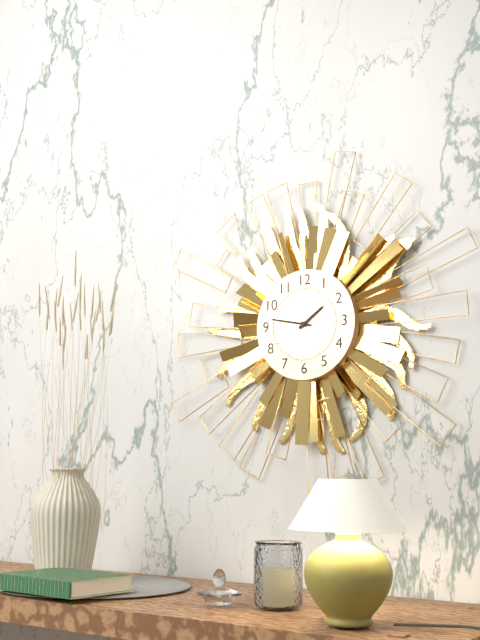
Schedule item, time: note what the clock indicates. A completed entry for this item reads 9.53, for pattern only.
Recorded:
1.47
